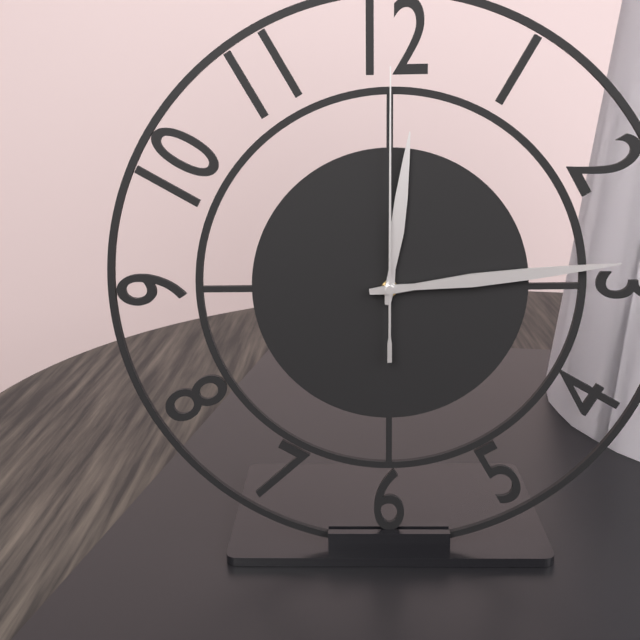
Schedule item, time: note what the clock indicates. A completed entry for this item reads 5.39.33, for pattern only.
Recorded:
12.14.00
